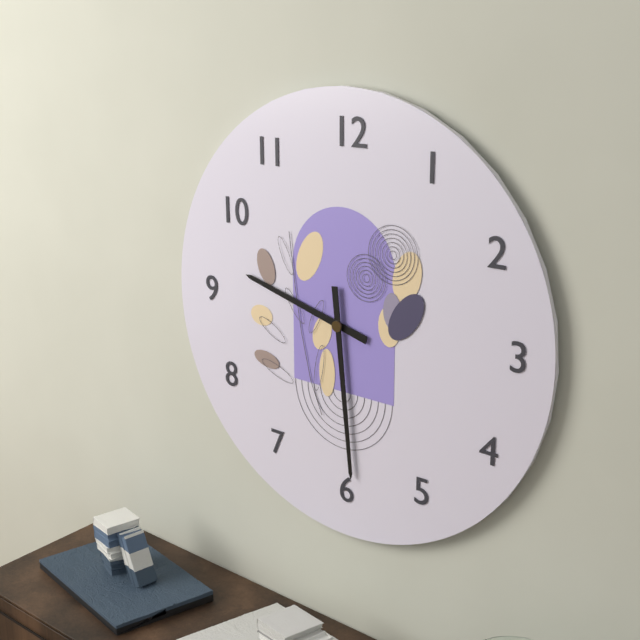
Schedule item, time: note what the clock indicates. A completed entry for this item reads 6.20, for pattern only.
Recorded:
9.29
